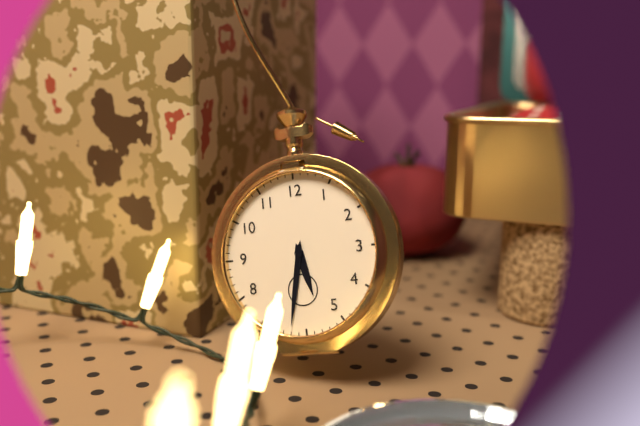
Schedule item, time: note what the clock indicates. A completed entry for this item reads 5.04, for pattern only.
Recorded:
5.32
